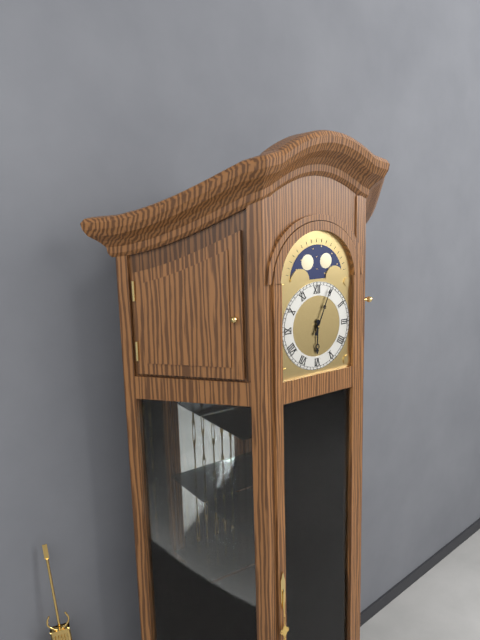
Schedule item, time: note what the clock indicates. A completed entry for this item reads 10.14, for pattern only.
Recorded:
6.04
